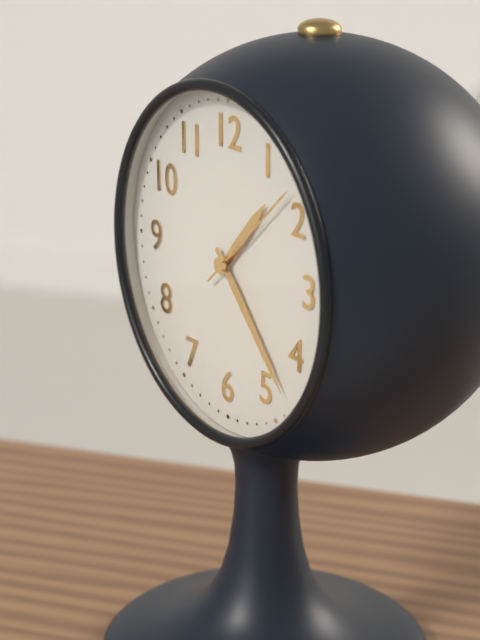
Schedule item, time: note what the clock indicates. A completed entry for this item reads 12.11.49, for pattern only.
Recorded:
1.23.08
